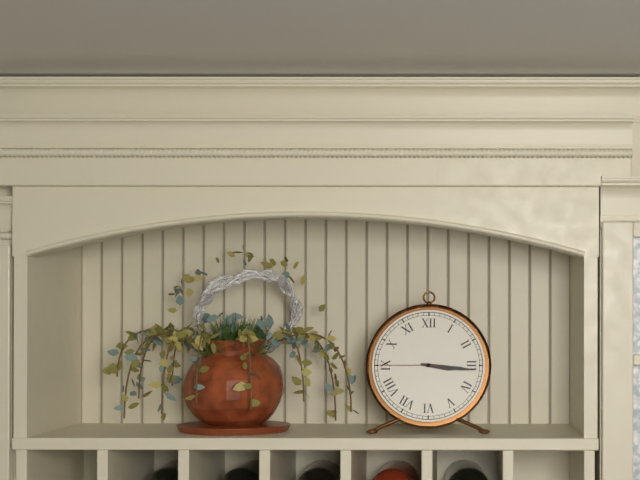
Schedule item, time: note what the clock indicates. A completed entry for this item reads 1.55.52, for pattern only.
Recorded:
3.16.45
